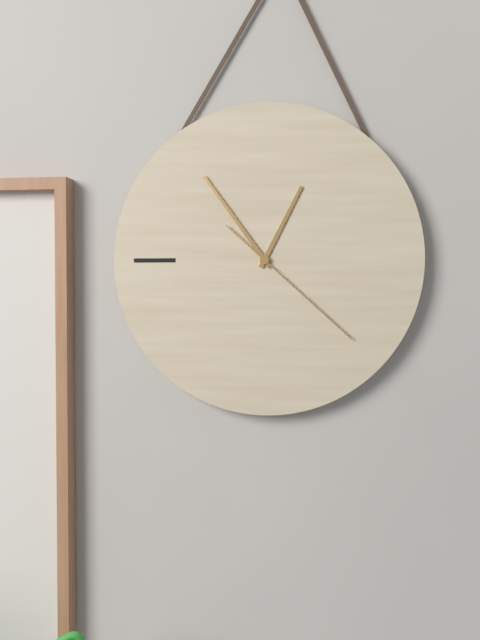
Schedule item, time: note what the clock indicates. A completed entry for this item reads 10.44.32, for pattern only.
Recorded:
12.54.22
